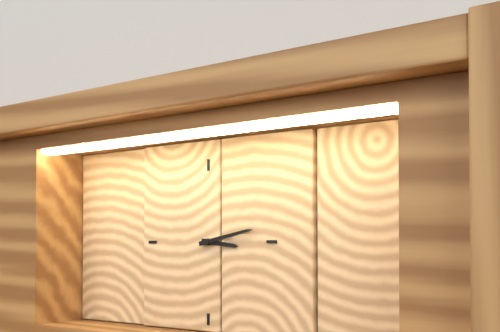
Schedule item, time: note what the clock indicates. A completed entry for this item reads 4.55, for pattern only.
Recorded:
3.13
